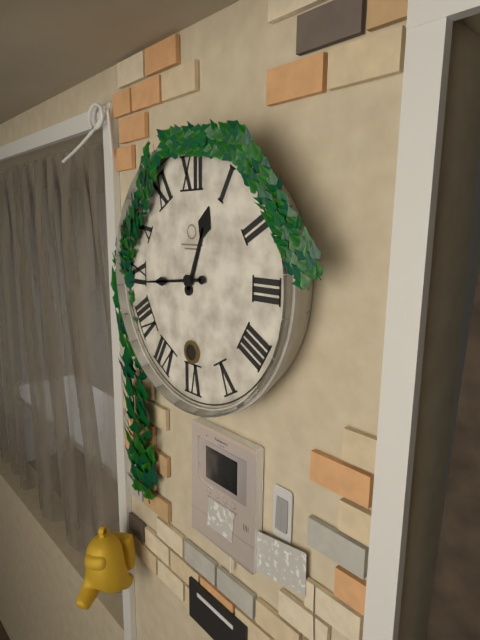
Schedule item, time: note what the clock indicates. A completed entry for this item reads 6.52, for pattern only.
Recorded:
12.44
